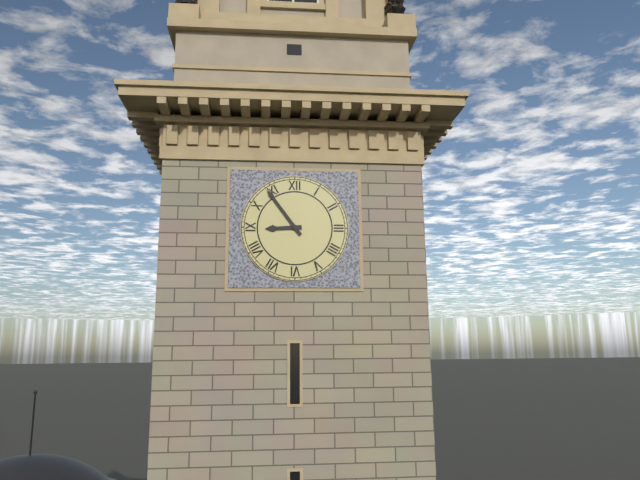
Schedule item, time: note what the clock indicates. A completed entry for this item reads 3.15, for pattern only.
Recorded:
8.54
